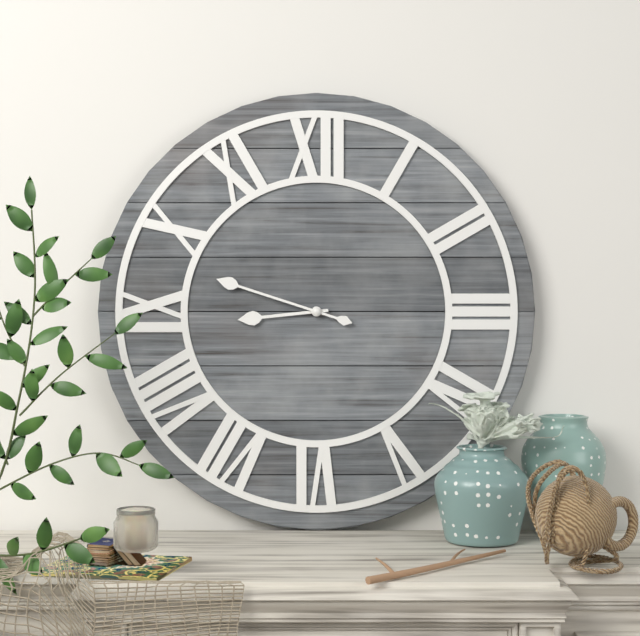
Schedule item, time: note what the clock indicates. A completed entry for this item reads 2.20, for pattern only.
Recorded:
8.48
